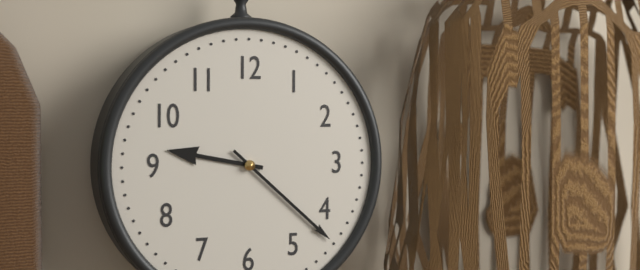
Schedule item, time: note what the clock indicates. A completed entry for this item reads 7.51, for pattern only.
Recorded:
9.22
